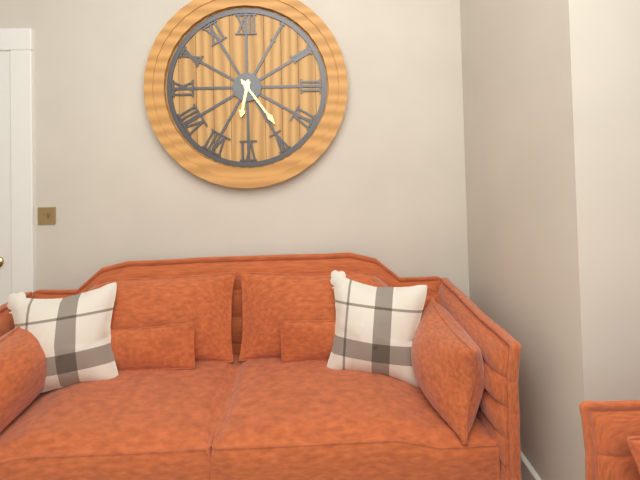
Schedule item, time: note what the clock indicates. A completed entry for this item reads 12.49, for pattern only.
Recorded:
6.24
